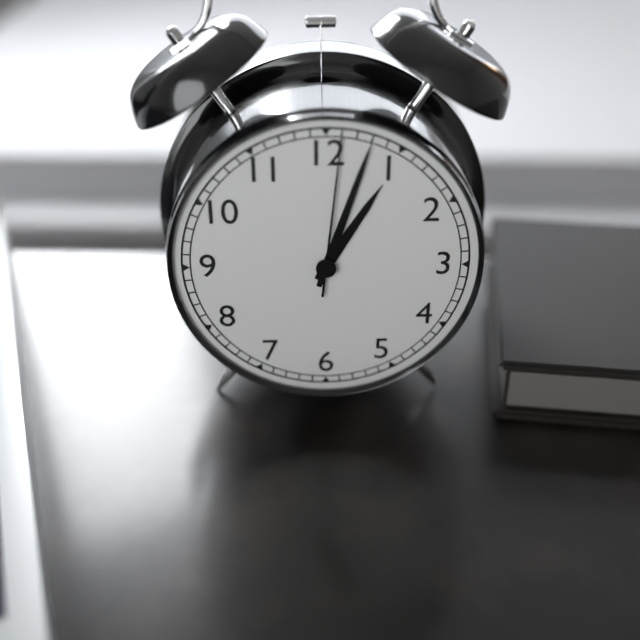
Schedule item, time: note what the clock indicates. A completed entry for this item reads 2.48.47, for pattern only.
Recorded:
1.03.01
